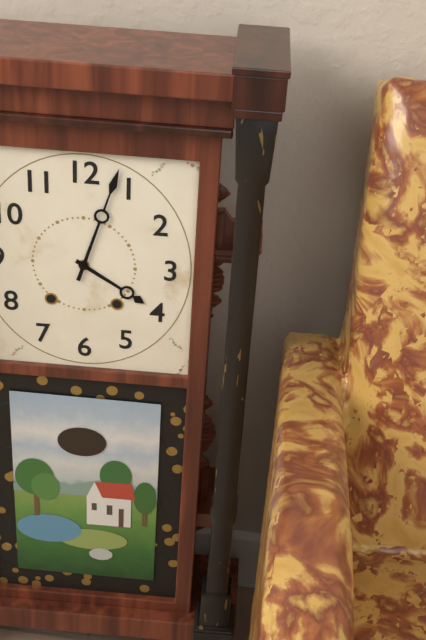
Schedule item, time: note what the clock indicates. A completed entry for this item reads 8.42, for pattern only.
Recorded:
4.03
